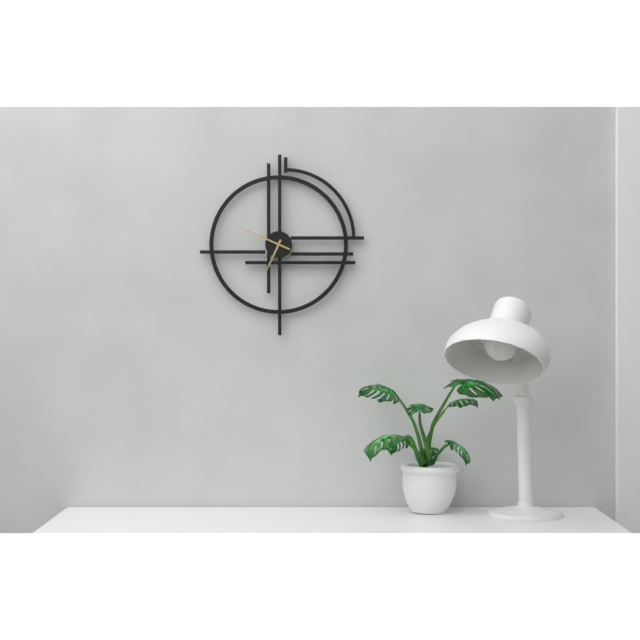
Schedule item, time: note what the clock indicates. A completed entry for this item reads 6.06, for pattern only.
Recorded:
6.49
